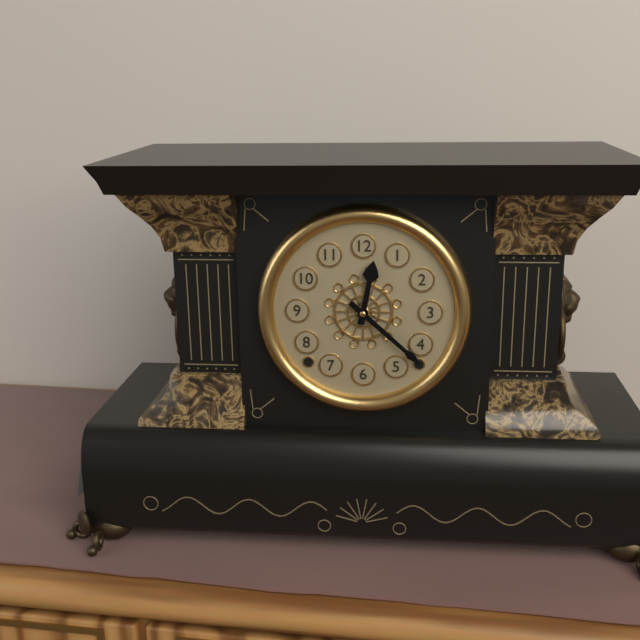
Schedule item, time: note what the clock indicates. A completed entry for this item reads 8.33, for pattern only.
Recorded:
12.22
